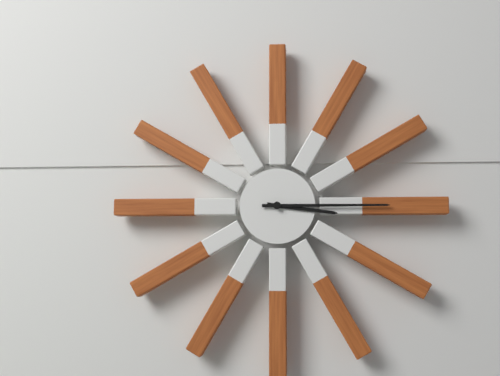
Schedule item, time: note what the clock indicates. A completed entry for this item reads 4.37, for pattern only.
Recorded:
3.15
